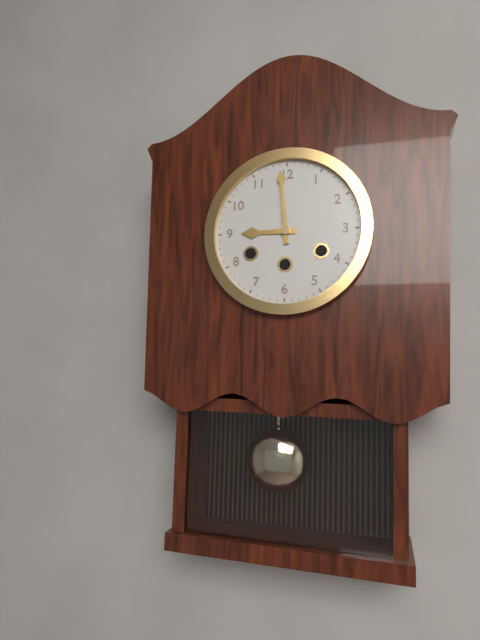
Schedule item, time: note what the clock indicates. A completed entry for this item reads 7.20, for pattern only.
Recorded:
8.59
